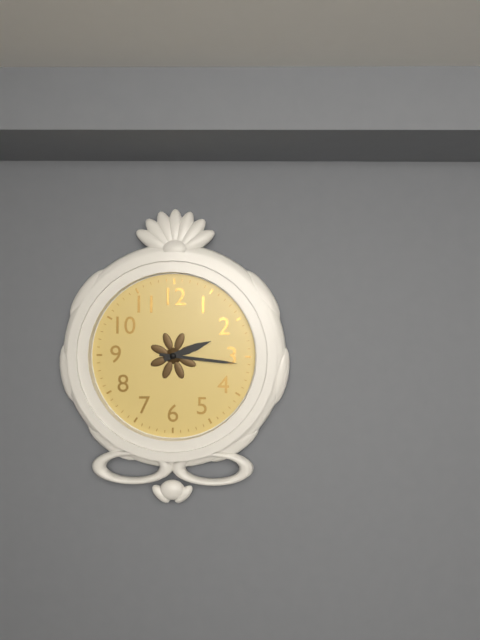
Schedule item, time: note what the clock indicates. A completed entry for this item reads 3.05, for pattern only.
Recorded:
2.16
